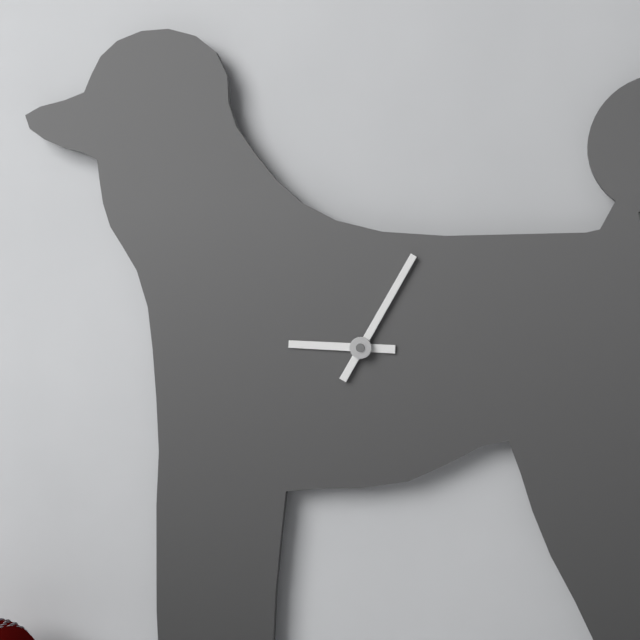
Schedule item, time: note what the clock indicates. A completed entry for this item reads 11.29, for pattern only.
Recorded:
9.05
